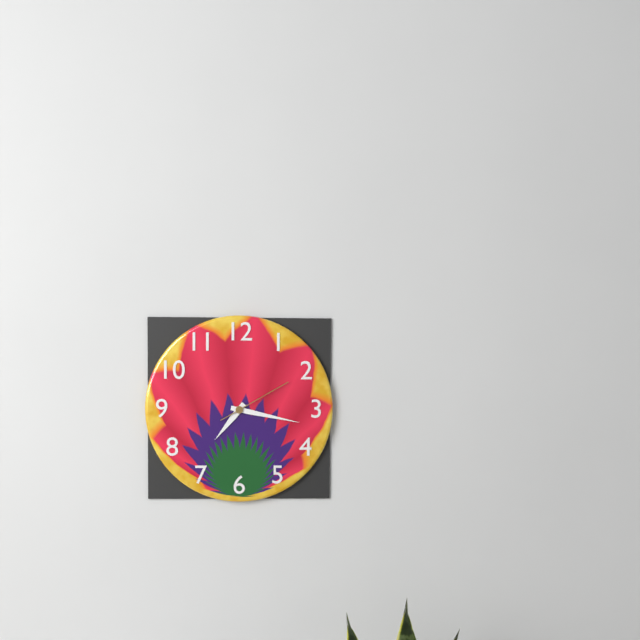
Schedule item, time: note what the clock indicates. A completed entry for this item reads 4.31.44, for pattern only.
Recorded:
7.17.10
